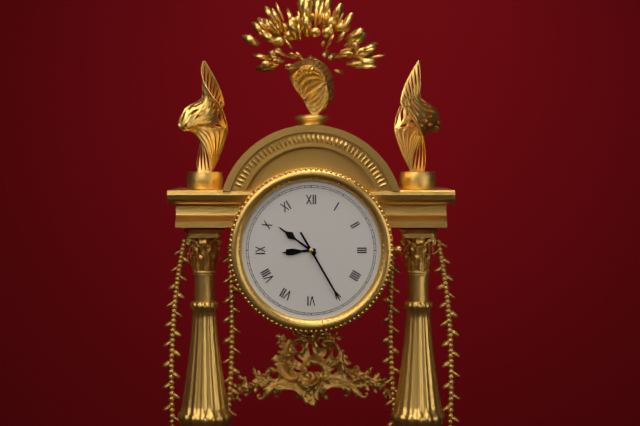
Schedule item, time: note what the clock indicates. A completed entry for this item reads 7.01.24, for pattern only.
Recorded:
8.51.25
